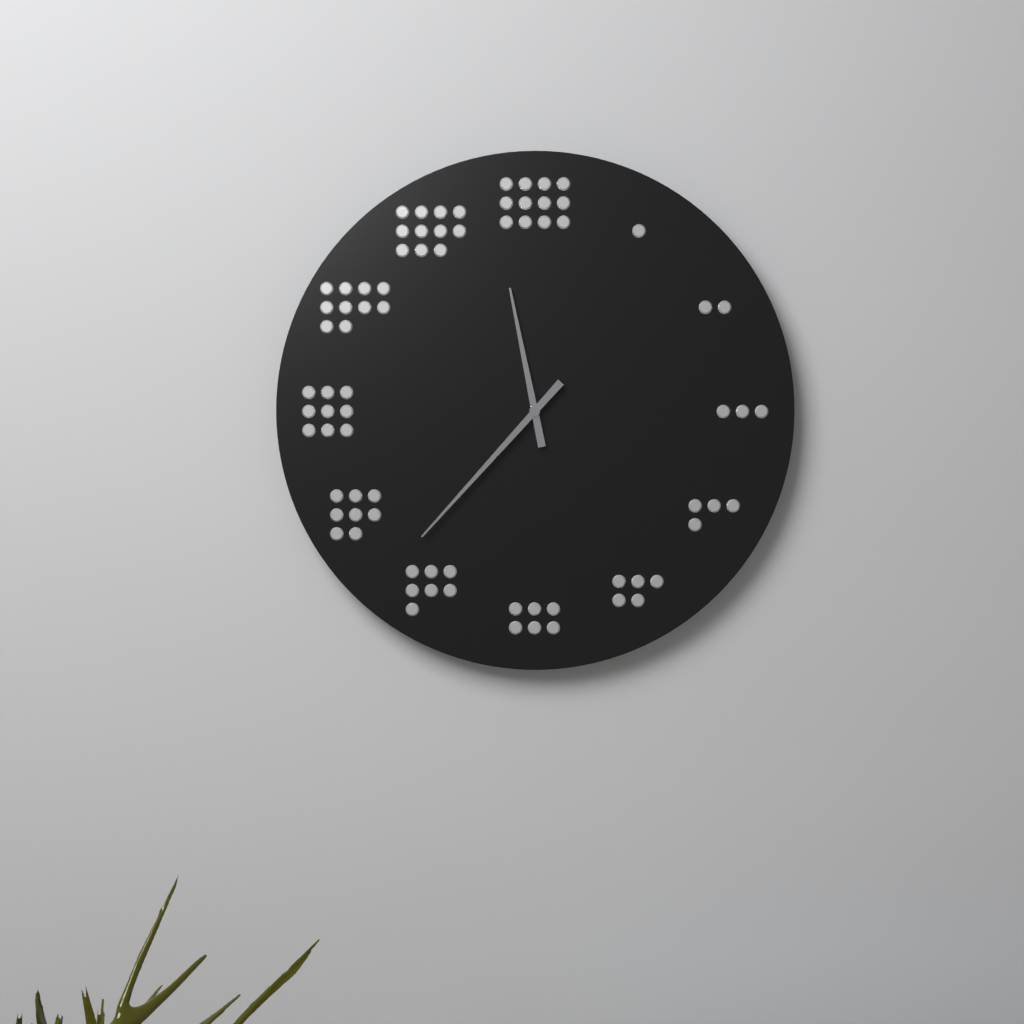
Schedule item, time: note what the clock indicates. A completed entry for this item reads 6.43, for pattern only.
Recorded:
11.37
